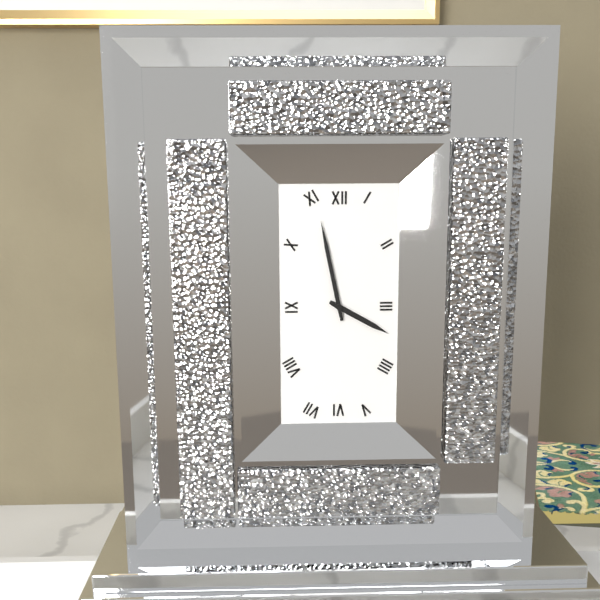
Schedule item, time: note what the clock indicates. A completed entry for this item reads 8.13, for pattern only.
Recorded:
3.58
